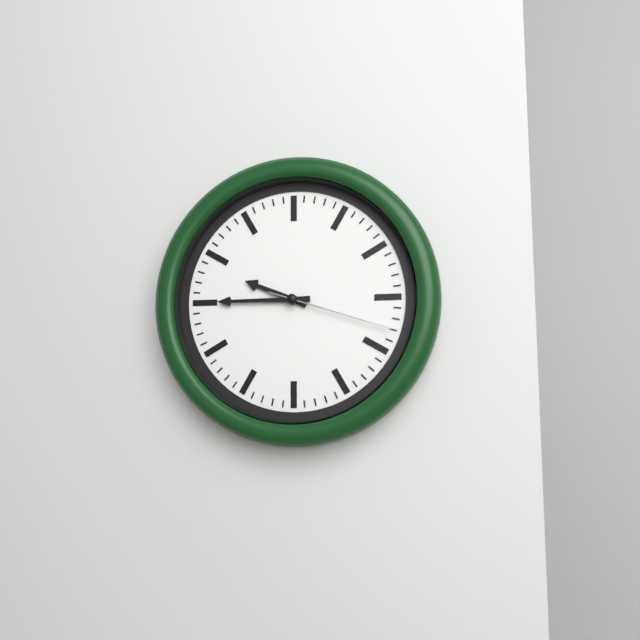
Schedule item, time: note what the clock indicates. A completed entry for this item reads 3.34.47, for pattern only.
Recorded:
9.45.18
